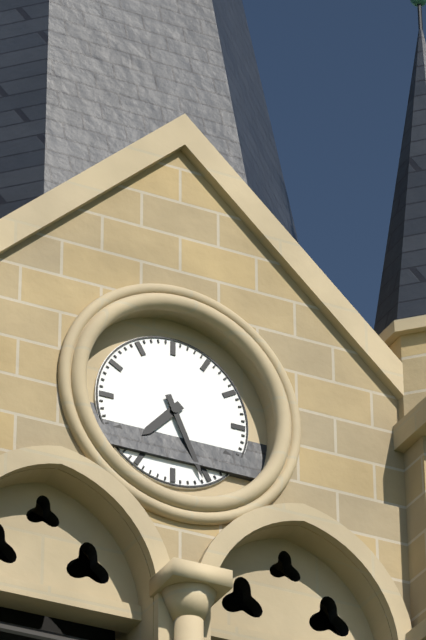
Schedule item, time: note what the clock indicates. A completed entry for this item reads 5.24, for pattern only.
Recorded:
7.26
